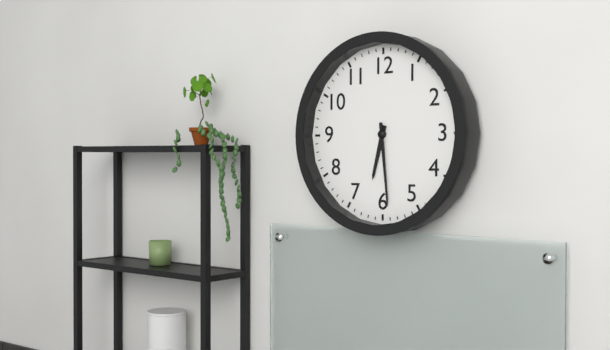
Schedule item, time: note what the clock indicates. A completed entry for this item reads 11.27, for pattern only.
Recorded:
6.29
